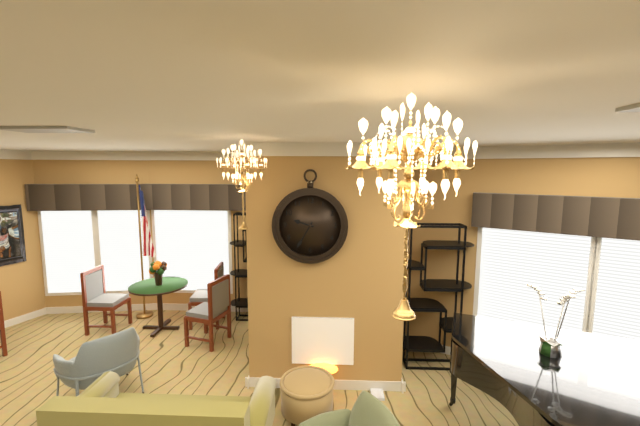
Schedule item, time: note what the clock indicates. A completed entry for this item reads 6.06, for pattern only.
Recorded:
9.35
